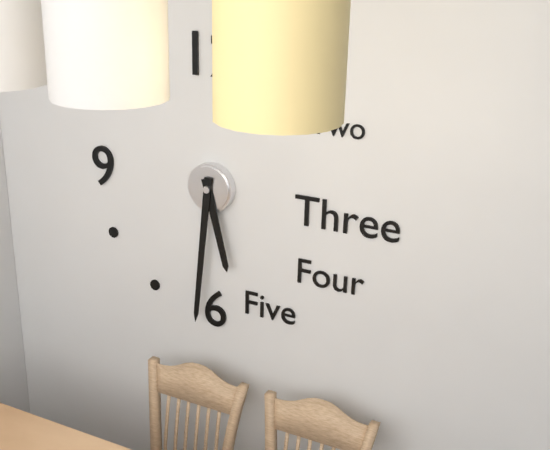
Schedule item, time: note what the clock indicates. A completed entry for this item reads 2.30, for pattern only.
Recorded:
5.31
